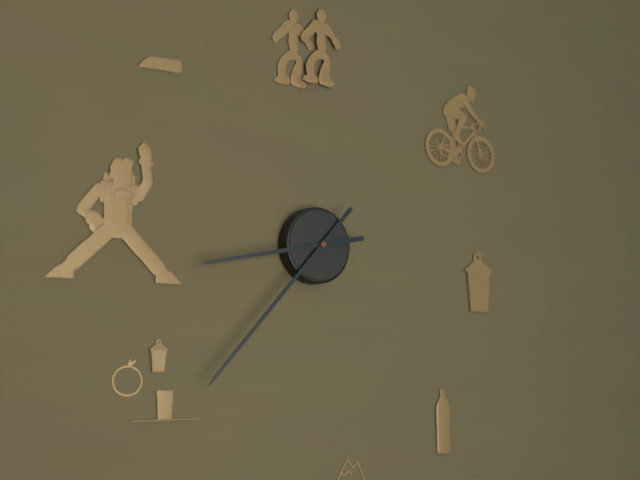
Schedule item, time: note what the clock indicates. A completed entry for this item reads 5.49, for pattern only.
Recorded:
8.37
